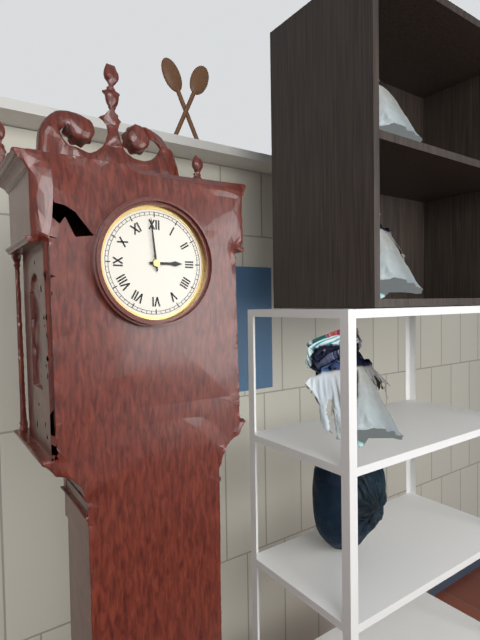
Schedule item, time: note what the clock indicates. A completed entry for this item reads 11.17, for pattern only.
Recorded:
2.59
